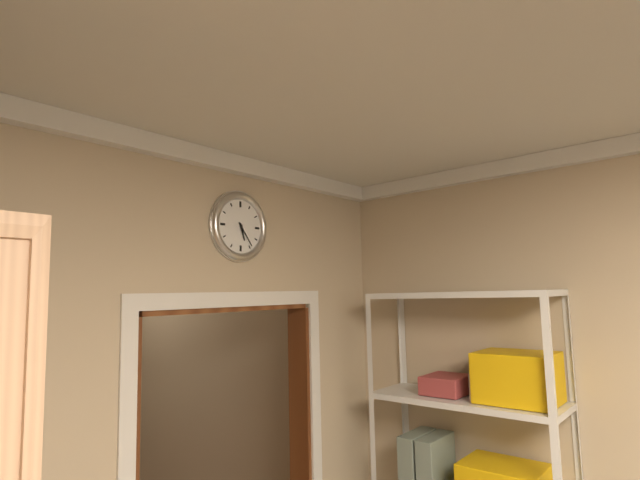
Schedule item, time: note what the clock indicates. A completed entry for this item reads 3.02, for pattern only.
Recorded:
5.24
